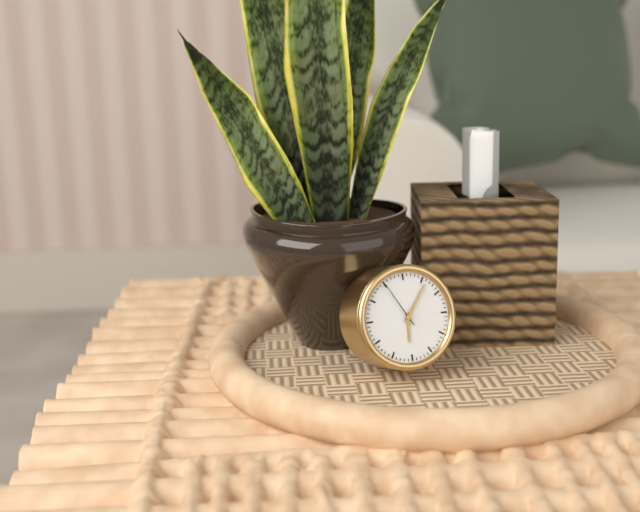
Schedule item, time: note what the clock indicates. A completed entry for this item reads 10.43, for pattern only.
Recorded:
6.06
